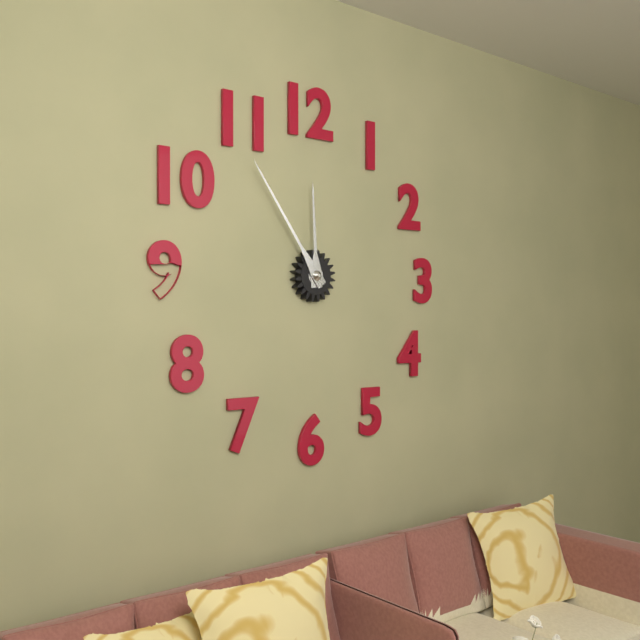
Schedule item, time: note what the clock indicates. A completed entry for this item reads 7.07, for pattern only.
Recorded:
11.54
